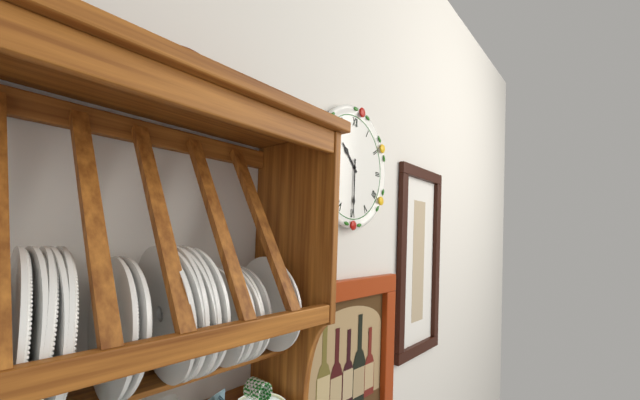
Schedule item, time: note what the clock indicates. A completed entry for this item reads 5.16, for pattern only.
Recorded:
10.30
